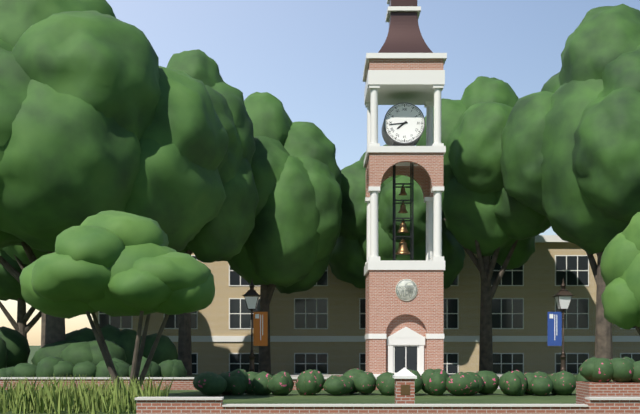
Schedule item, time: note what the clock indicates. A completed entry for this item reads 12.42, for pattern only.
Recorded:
7.44
